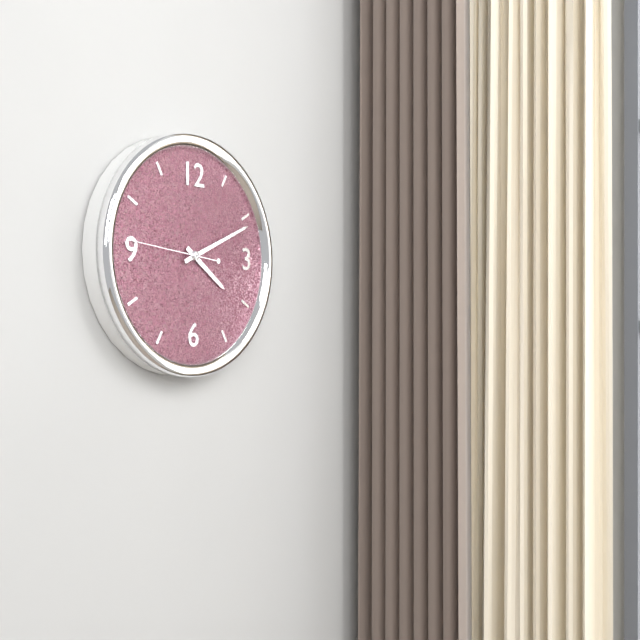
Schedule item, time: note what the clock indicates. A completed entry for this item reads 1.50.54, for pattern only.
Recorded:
4.11.46
